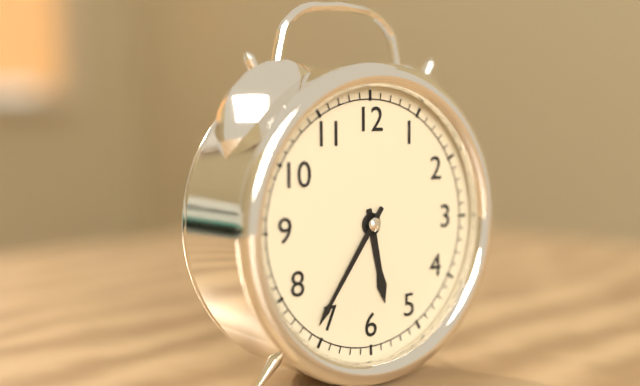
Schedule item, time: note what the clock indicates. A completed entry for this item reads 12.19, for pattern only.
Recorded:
5.36
